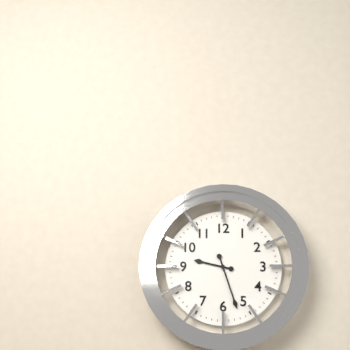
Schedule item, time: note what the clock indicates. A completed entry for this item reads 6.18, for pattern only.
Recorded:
9.27
